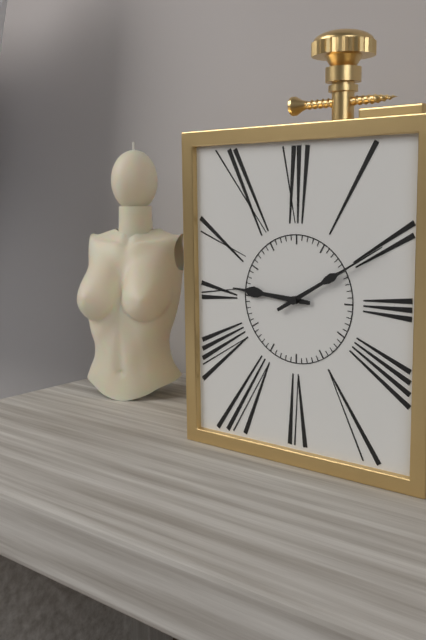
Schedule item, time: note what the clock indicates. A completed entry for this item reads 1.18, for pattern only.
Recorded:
9.10
